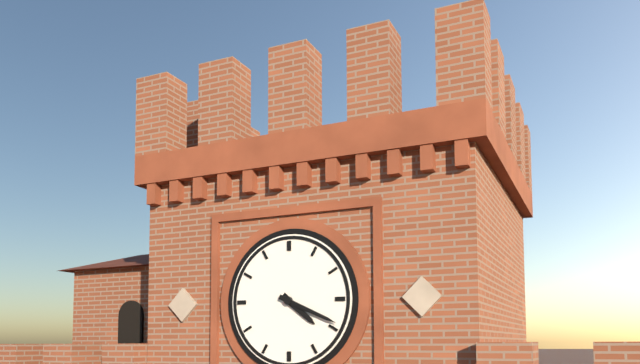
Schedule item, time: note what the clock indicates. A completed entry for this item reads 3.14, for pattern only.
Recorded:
4.19
